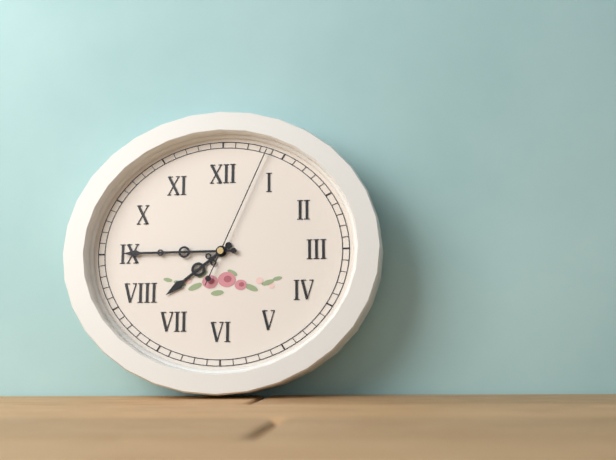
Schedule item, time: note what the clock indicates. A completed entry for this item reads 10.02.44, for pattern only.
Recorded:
7.45.04
